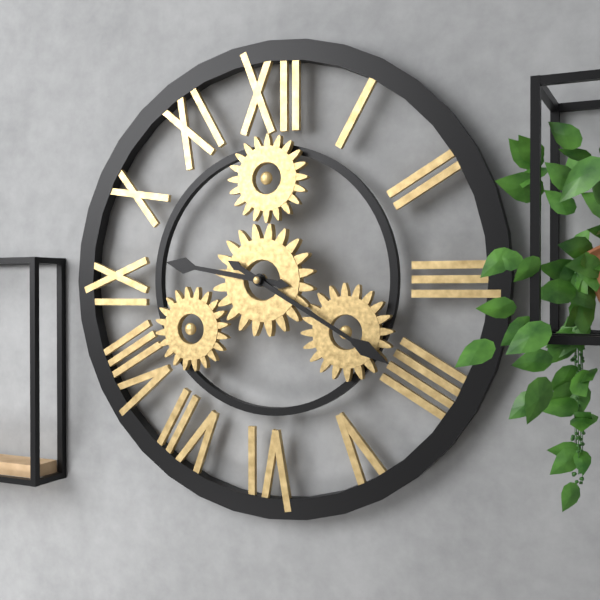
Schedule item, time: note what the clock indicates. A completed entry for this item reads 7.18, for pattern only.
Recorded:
9.20
